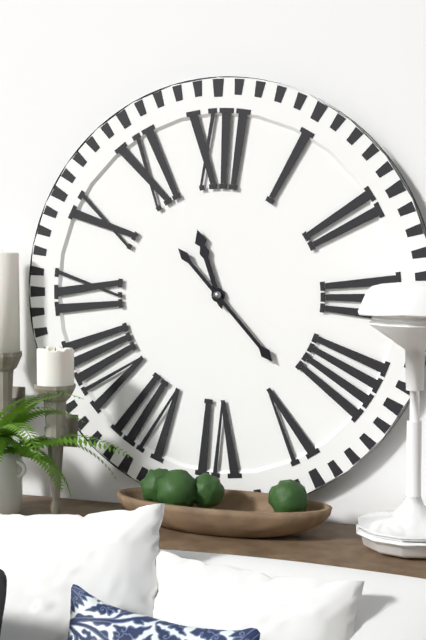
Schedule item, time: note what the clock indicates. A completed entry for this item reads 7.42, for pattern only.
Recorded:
11.23
